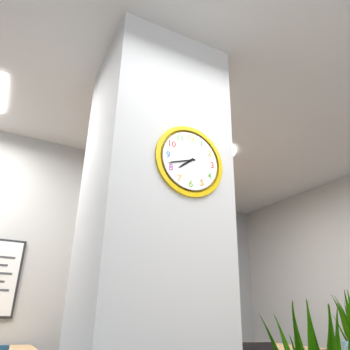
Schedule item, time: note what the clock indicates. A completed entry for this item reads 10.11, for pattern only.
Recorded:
7.42
